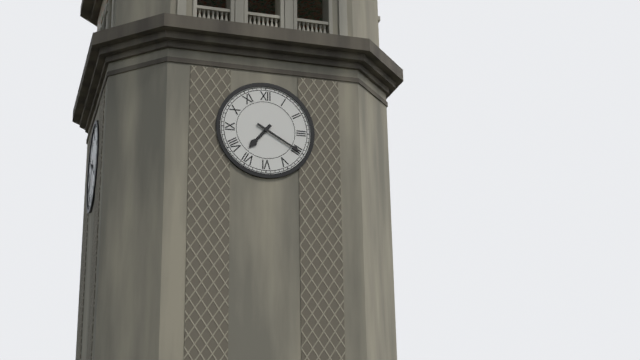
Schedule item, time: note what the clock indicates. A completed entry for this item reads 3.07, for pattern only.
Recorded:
7.20
